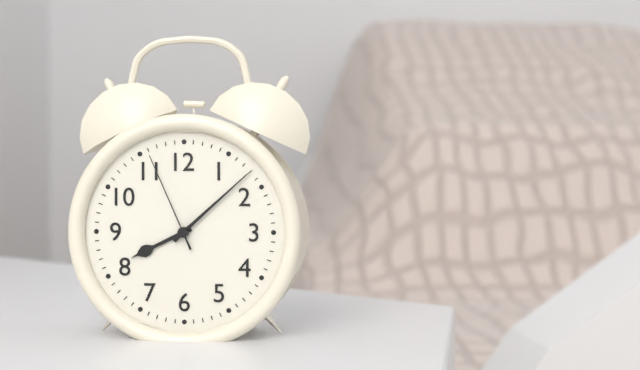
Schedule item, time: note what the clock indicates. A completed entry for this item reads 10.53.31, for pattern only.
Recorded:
8.08.56
